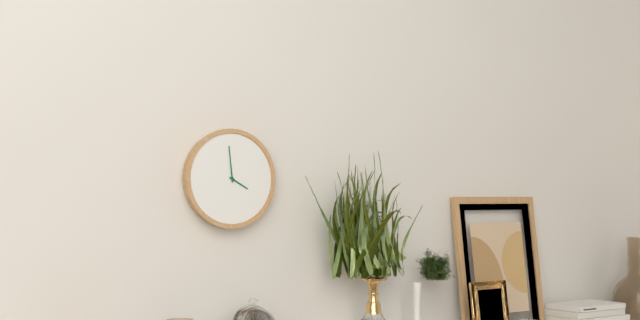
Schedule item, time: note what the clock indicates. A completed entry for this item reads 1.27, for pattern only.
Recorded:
3.59
